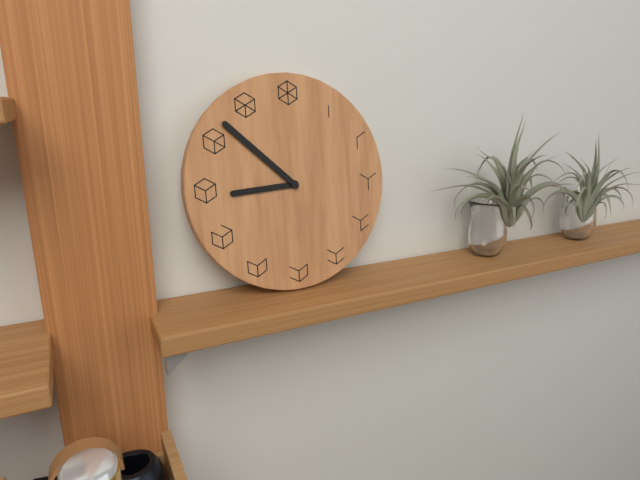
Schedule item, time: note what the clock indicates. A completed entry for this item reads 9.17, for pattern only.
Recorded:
8.52
